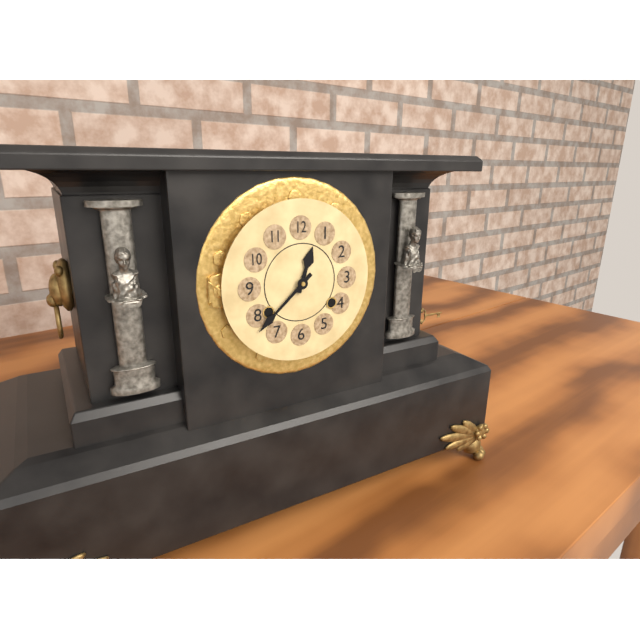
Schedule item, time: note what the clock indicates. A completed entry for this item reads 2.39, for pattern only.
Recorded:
12.38
